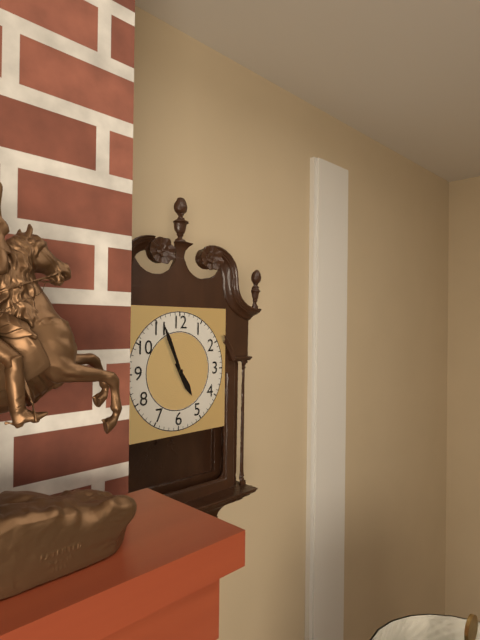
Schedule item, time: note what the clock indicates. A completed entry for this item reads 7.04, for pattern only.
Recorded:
4.56
